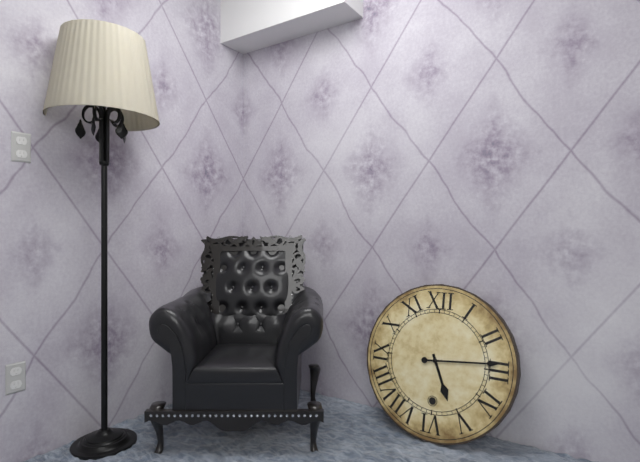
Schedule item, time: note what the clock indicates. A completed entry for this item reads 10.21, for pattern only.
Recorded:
5.14
